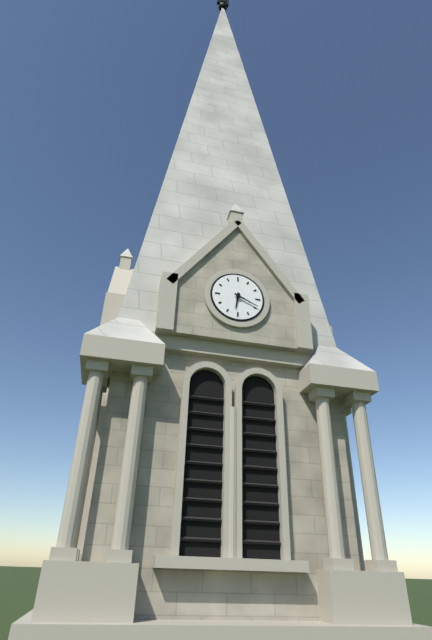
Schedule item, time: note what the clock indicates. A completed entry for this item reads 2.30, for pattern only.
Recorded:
6.19
